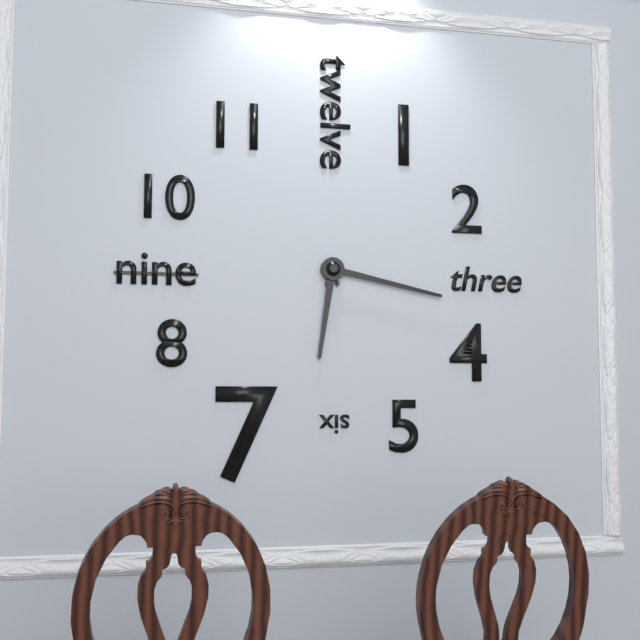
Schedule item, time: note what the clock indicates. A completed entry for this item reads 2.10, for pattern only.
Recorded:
6.17
